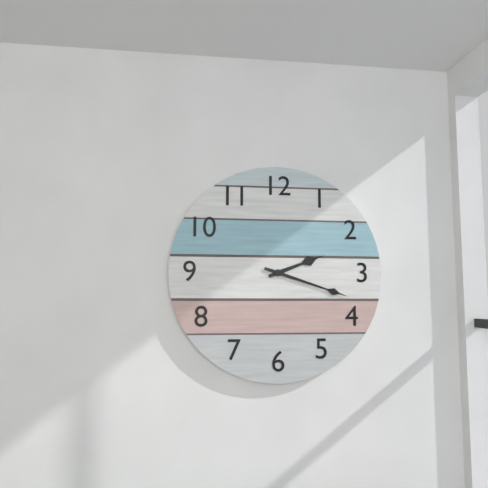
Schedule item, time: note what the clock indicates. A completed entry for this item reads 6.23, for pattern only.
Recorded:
2.18
